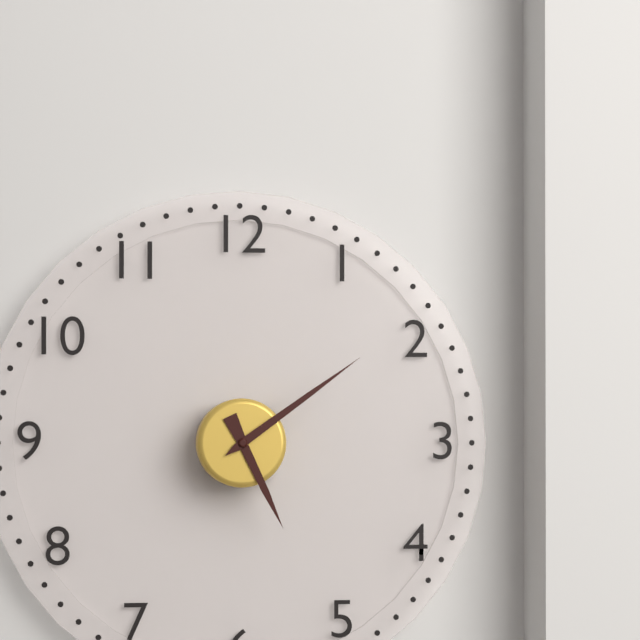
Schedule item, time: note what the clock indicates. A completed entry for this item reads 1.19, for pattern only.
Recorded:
5.09
